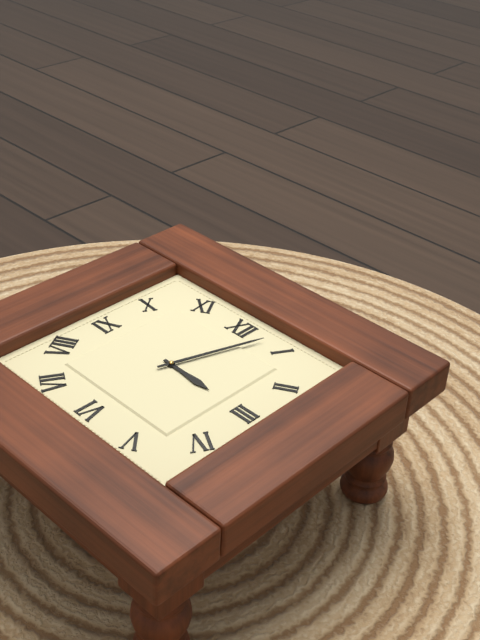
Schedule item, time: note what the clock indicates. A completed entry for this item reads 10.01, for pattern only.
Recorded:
3.03
